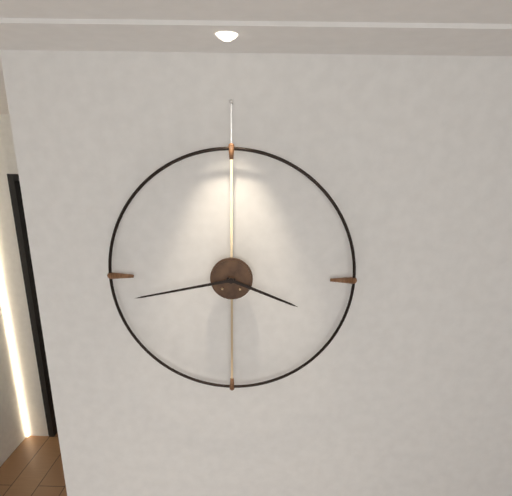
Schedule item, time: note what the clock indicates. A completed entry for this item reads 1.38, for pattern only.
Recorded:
3.43
